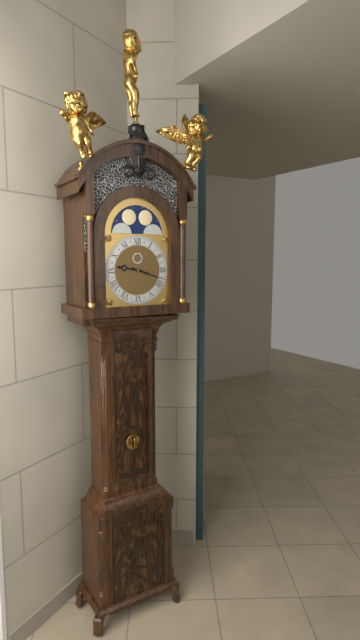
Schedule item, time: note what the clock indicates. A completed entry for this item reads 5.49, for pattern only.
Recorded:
9.18
